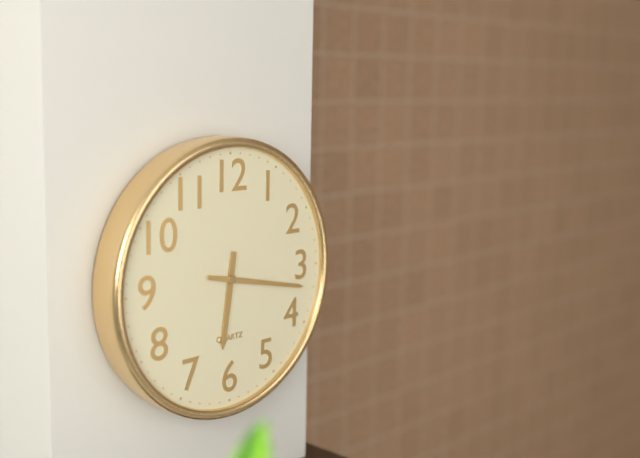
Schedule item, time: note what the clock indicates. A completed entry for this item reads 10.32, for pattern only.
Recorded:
6.17
